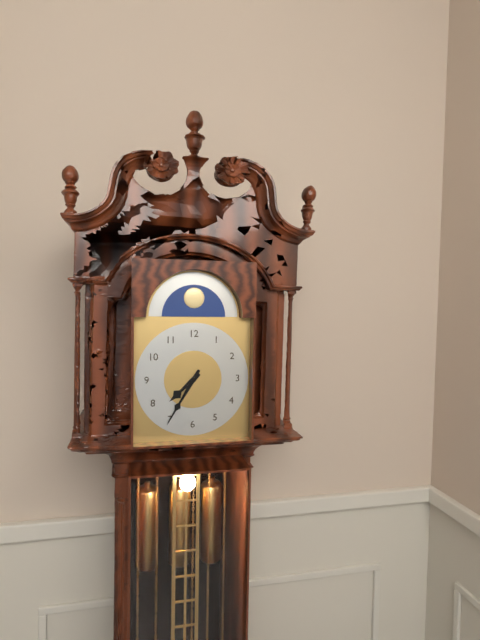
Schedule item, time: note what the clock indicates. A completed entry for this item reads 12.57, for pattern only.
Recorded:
7.35
